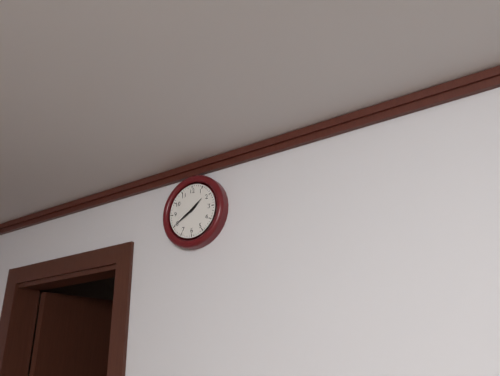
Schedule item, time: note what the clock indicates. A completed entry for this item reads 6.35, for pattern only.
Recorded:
1.40
